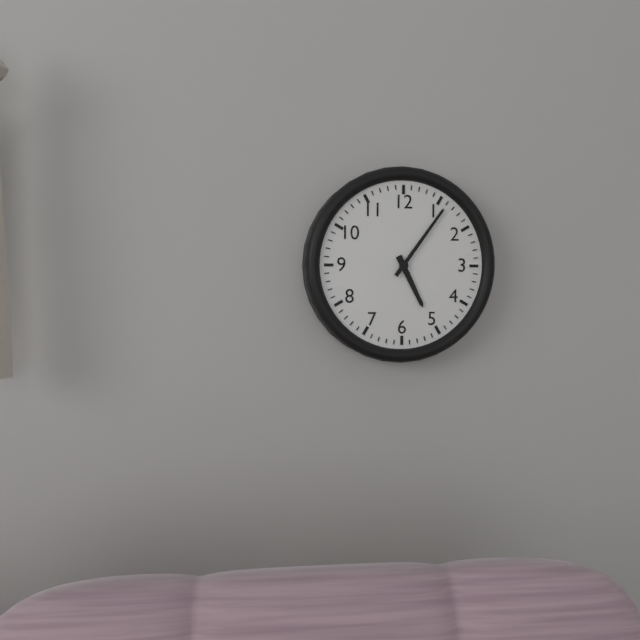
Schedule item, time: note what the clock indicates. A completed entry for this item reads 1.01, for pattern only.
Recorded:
5.06
